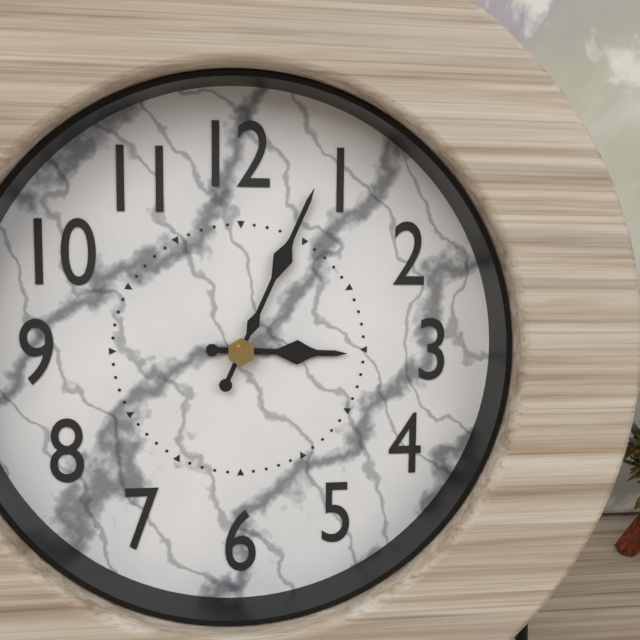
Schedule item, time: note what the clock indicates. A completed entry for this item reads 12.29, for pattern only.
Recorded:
3.04
